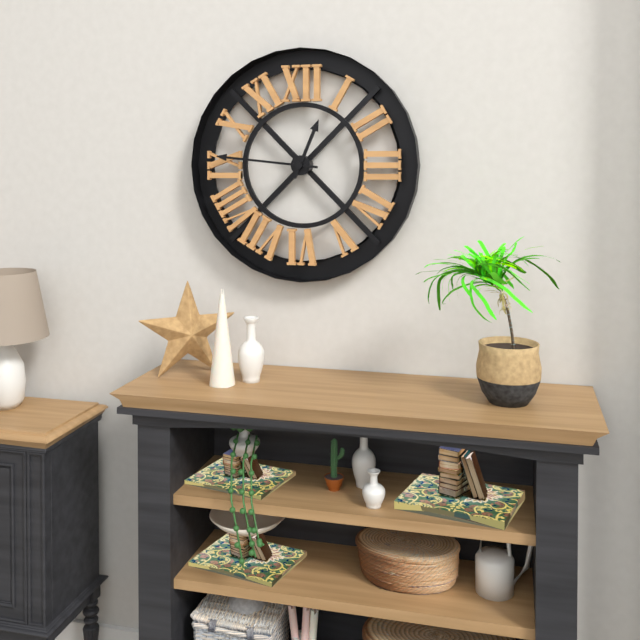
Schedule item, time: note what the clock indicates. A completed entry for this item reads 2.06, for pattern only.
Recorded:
12.46
